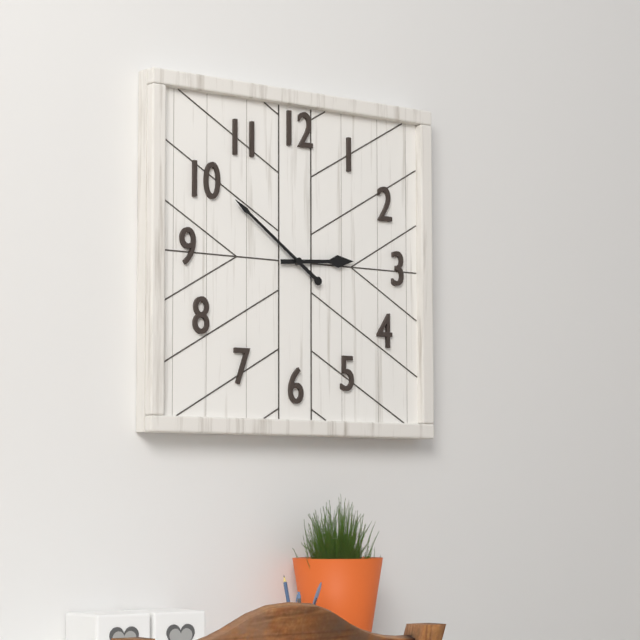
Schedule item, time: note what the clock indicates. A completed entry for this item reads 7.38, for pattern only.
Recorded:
2.51
